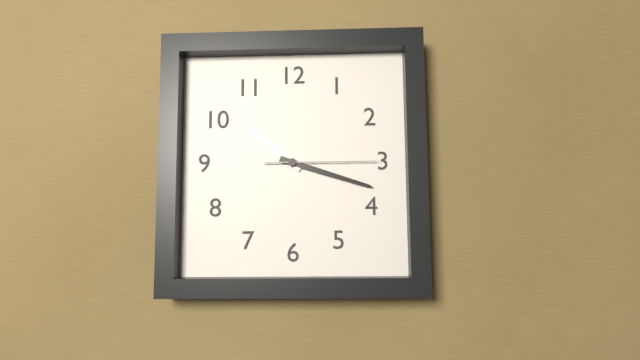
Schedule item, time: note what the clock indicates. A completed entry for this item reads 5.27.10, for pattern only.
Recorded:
10.18.15
